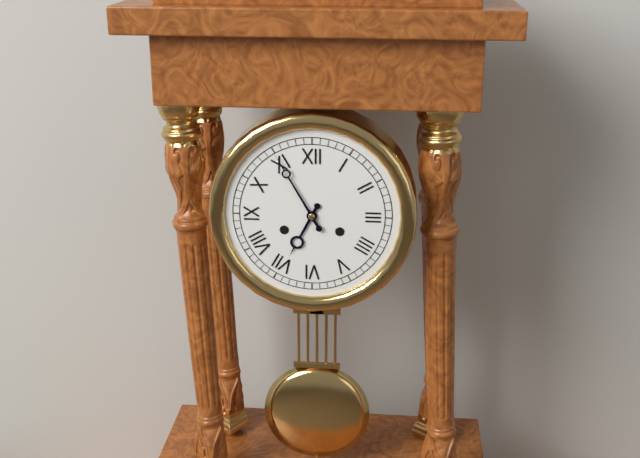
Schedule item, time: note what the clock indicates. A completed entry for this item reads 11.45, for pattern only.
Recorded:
6.55
